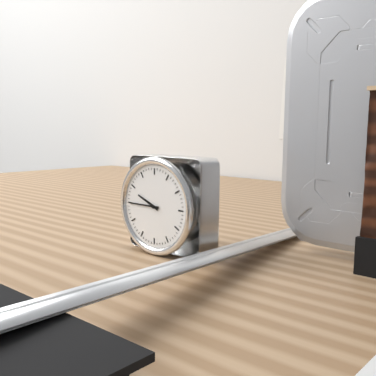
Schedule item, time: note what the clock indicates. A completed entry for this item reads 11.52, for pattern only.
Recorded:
9.45
